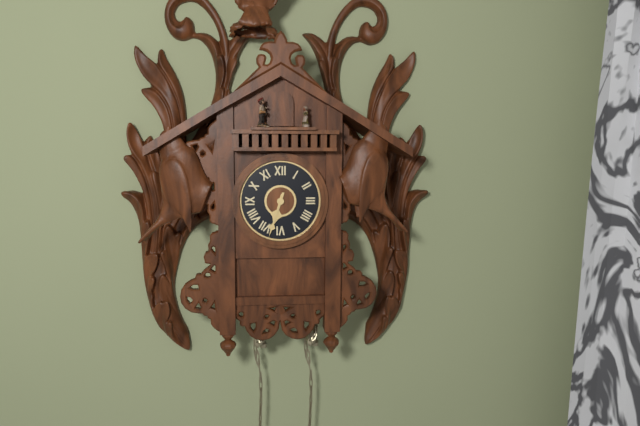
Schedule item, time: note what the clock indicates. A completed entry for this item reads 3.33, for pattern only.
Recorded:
6.33
